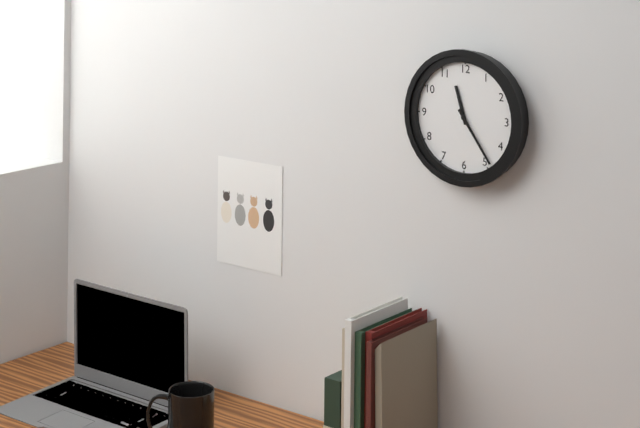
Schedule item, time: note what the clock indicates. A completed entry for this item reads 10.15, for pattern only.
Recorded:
11.24
